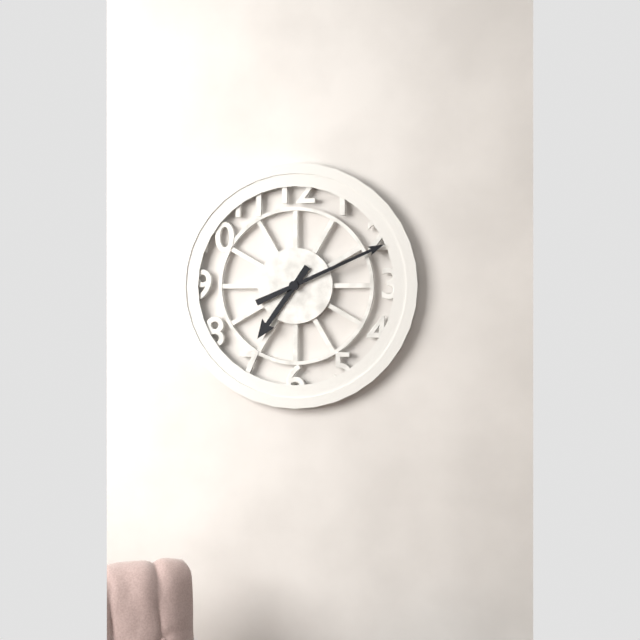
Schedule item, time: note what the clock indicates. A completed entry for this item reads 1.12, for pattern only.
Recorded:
7.11
